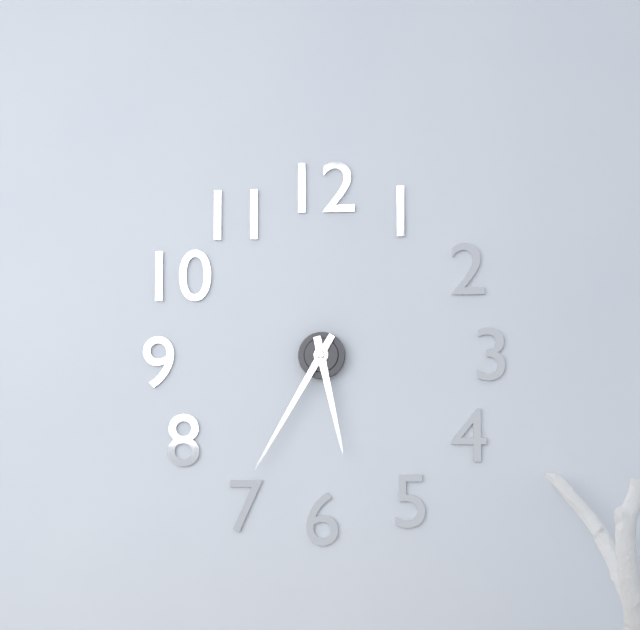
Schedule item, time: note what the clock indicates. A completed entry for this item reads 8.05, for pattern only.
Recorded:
5.35
